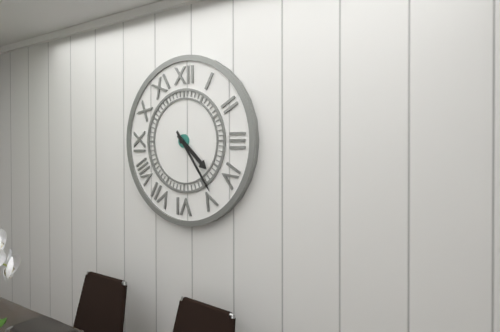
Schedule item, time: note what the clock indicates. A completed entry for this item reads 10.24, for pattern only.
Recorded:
4.24
